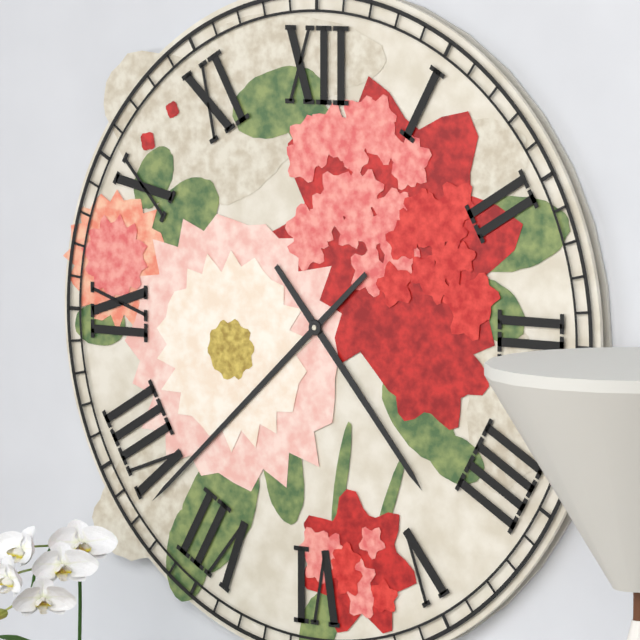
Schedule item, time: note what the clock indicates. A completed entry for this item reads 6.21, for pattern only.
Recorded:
4.38
